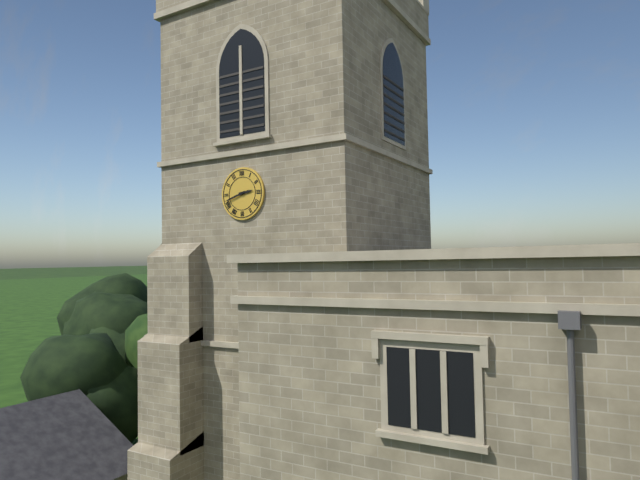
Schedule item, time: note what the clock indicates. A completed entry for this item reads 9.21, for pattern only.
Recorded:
2.42
